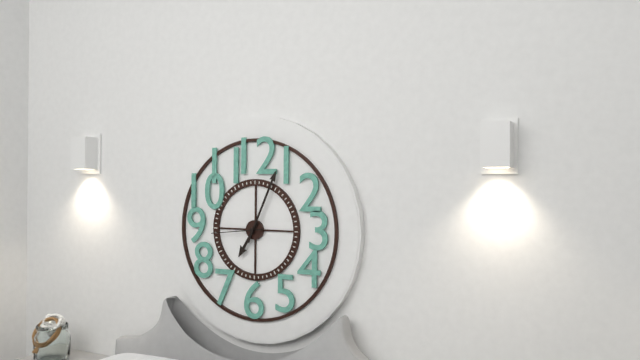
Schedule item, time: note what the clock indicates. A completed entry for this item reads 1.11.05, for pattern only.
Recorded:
7.04.44
